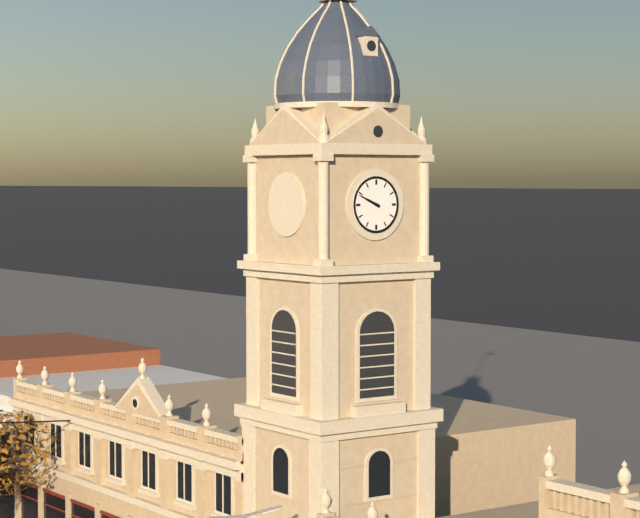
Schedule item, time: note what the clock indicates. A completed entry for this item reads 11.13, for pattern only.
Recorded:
9.49
